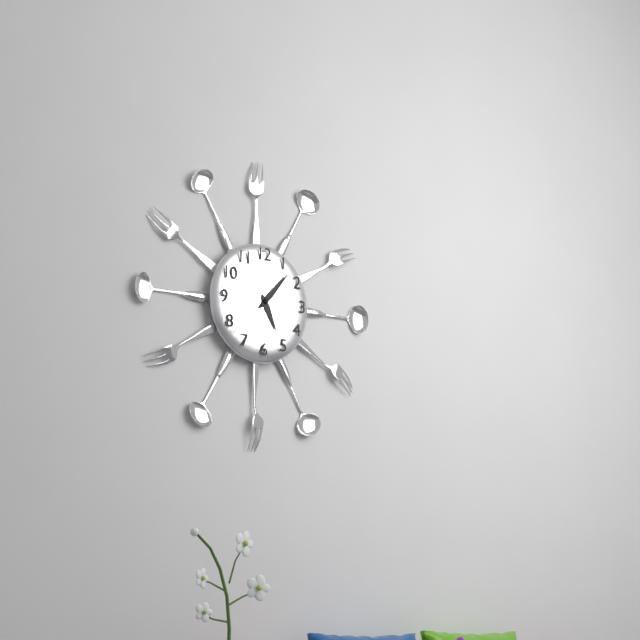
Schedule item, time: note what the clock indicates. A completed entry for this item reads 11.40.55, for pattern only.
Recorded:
5.07.38
